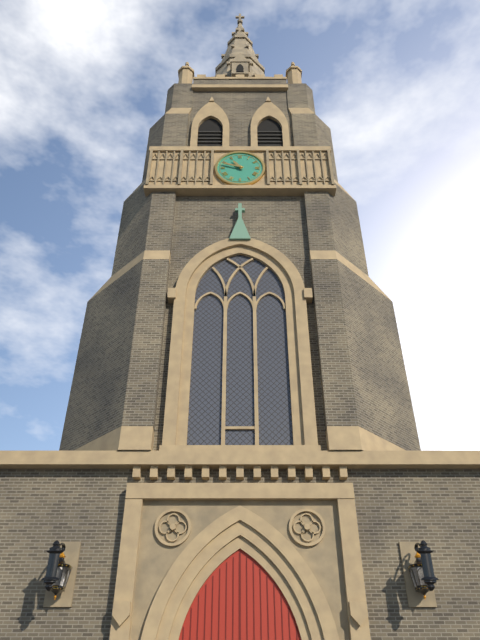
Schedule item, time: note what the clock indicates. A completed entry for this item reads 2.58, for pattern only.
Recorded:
10.48
